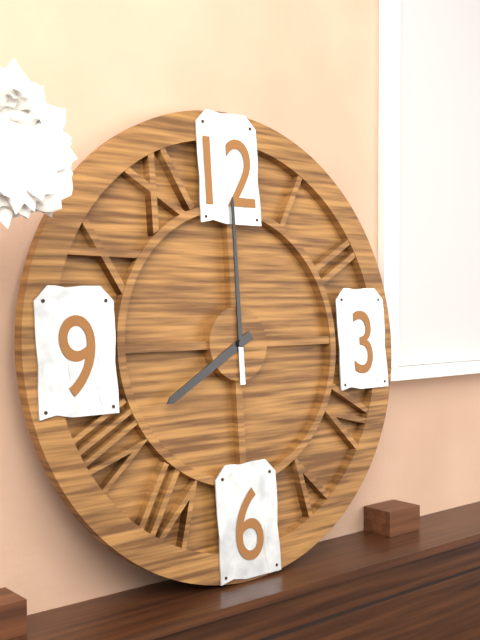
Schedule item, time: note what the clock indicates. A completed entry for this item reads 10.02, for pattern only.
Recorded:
8.00
